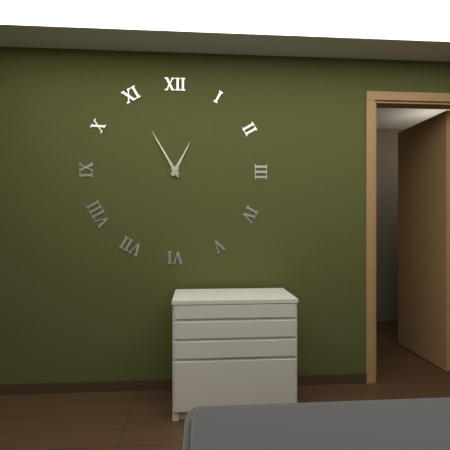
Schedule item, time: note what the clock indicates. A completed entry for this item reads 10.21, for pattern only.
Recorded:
12.55
